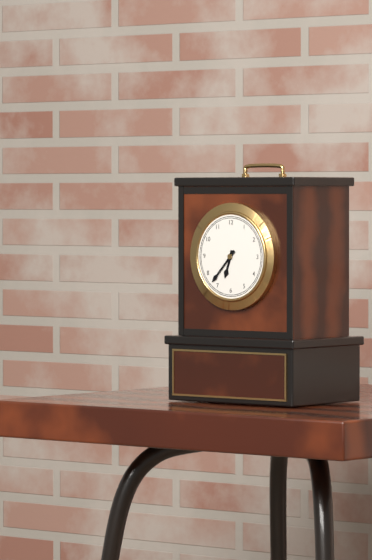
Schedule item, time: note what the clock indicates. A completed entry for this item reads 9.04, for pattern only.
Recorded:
6.37
